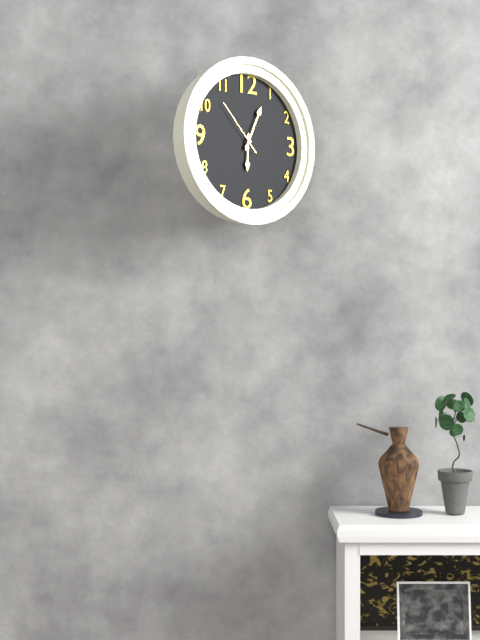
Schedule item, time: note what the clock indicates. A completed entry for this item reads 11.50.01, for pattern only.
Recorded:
6.04.53
